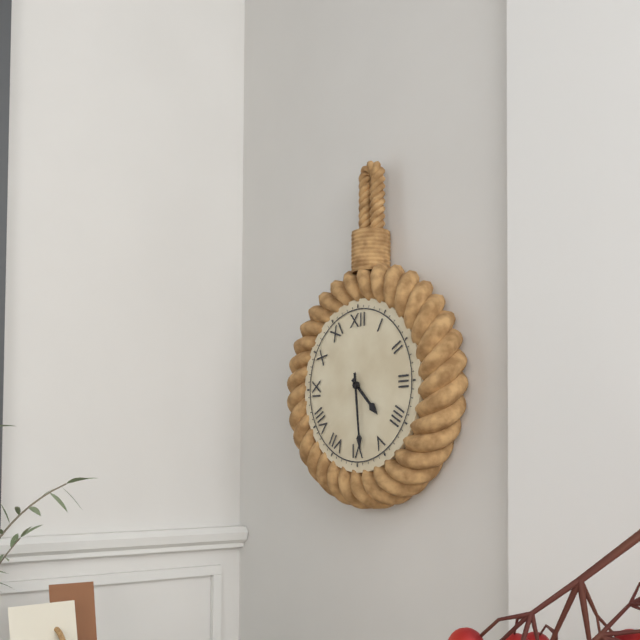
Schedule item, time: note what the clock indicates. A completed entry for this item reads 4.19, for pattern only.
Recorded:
4.29
